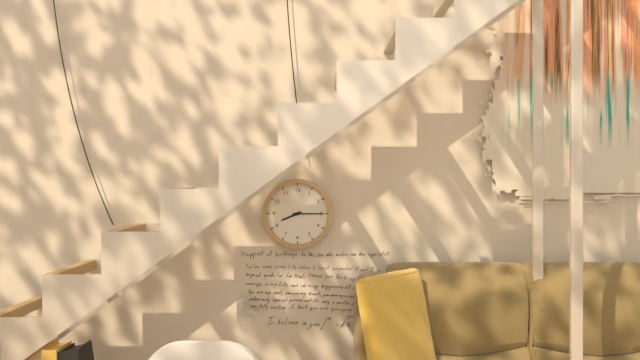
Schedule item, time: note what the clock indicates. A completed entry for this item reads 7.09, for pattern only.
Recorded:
8.15
